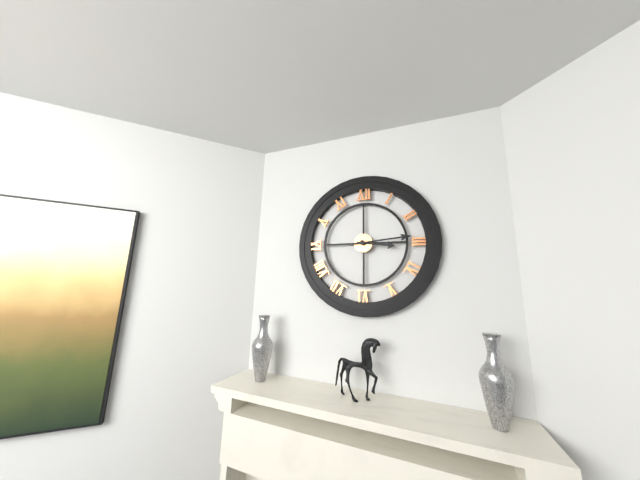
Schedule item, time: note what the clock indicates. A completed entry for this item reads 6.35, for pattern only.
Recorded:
3.14
